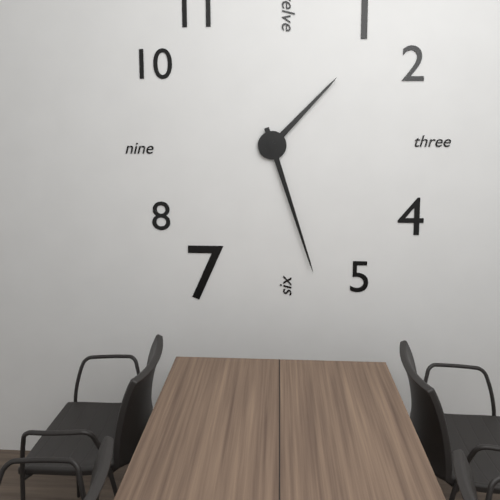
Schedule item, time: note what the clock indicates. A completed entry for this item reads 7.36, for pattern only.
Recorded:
1.27
